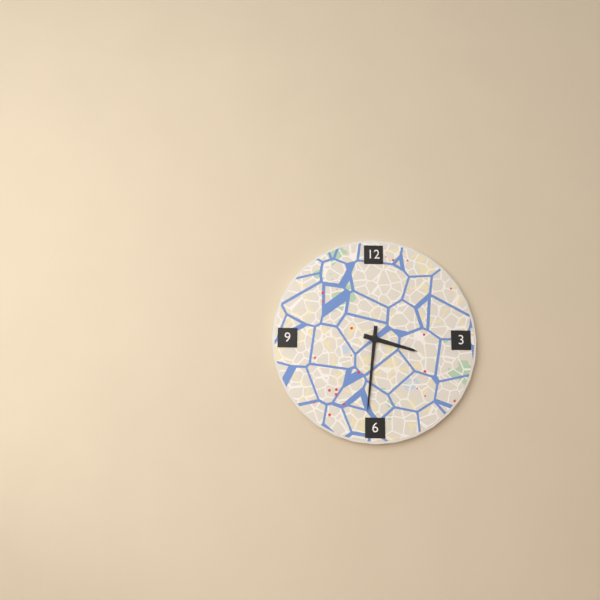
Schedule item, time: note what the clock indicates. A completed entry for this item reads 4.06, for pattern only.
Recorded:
3.31
